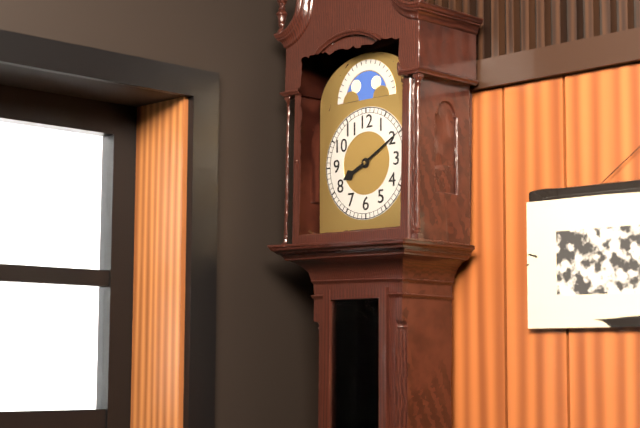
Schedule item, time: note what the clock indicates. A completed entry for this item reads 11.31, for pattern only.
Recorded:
8.10
